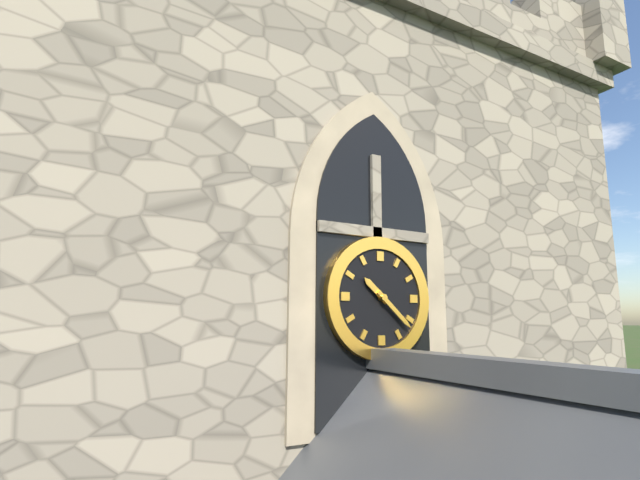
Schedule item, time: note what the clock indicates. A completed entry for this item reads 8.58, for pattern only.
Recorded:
10.22
